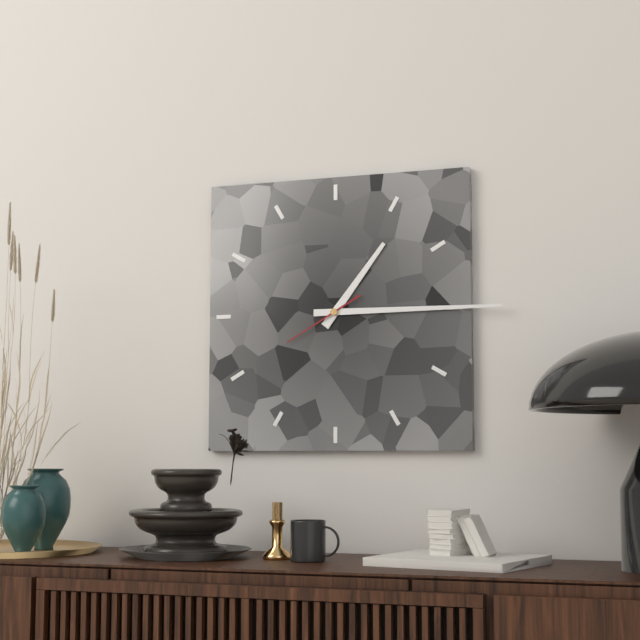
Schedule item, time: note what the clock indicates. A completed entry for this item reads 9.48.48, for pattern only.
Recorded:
1.15.40
